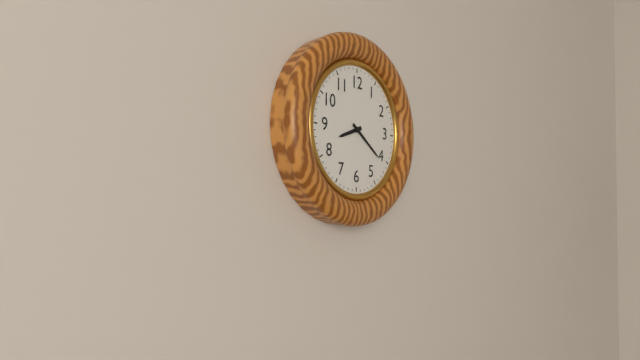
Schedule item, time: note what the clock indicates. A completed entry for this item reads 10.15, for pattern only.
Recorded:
8.21
